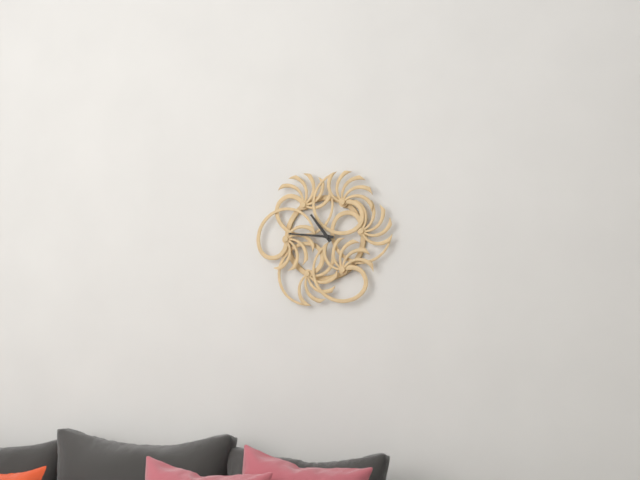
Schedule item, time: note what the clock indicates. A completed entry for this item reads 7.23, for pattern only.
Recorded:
10.46
